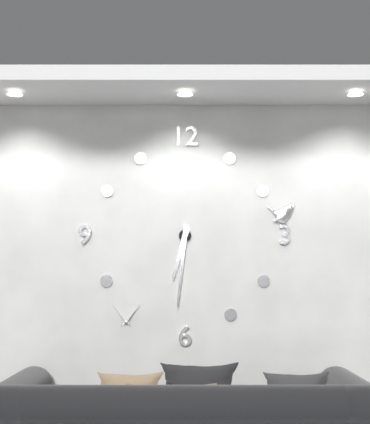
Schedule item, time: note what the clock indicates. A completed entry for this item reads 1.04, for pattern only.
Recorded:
6.31
